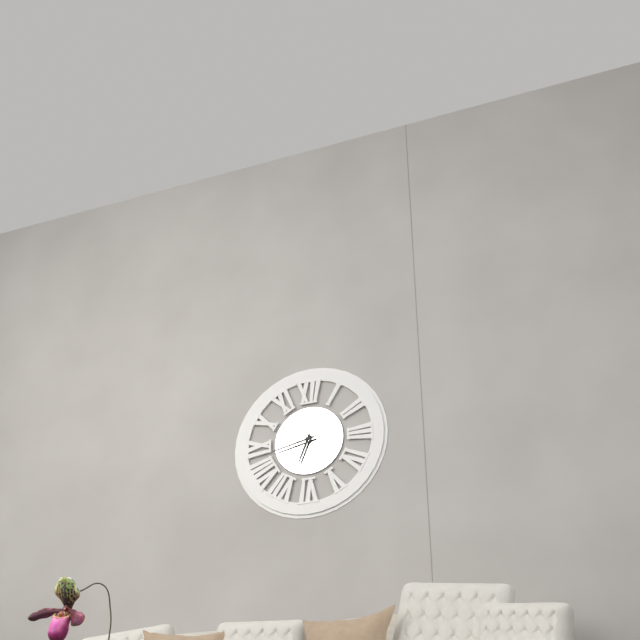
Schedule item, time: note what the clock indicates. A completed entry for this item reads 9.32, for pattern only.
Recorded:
6.43
